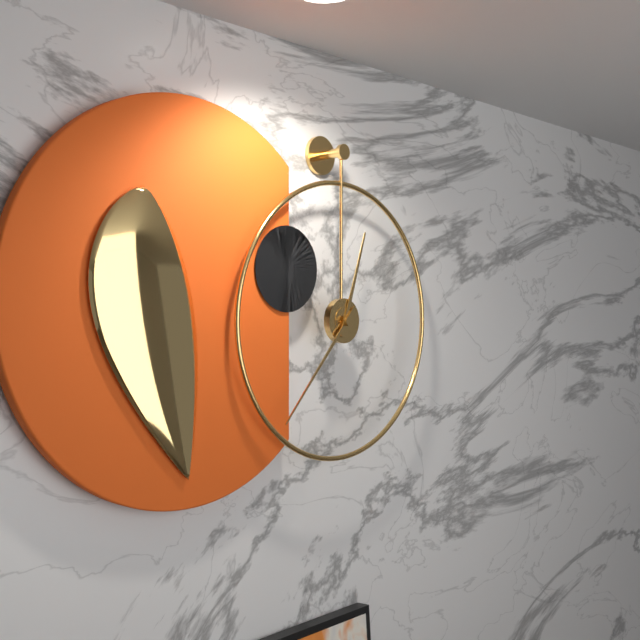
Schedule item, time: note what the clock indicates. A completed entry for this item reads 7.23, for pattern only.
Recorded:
12.37
